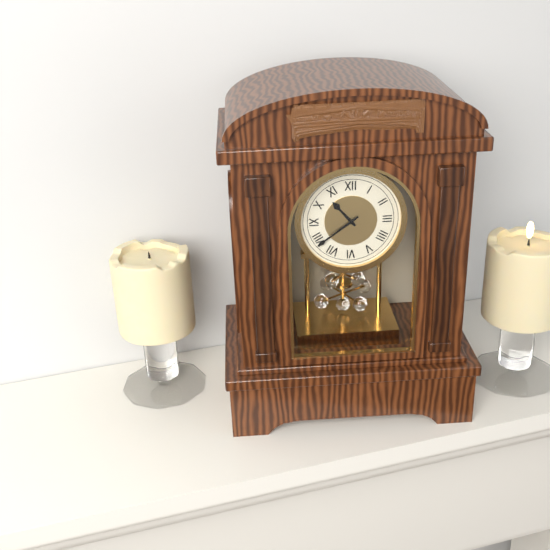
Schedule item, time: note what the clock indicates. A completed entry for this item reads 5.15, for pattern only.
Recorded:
10.39
